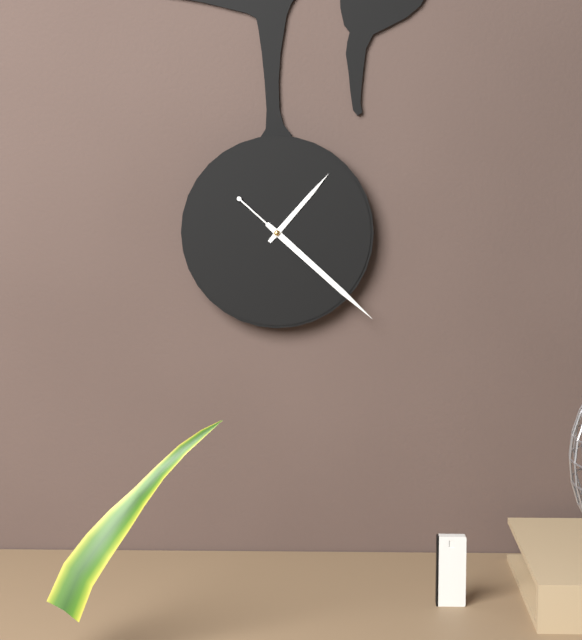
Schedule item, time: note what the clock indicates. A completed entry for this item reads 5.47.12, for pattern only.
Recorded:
1.22.22
